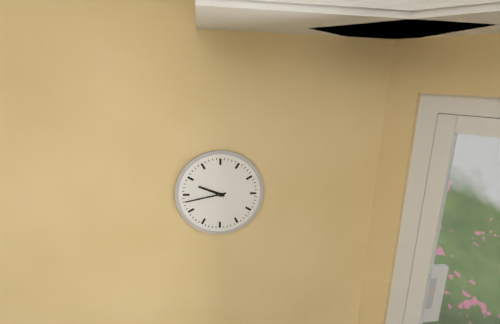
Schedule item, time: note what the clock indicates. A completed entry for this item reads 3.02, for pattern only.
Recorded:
9.43
